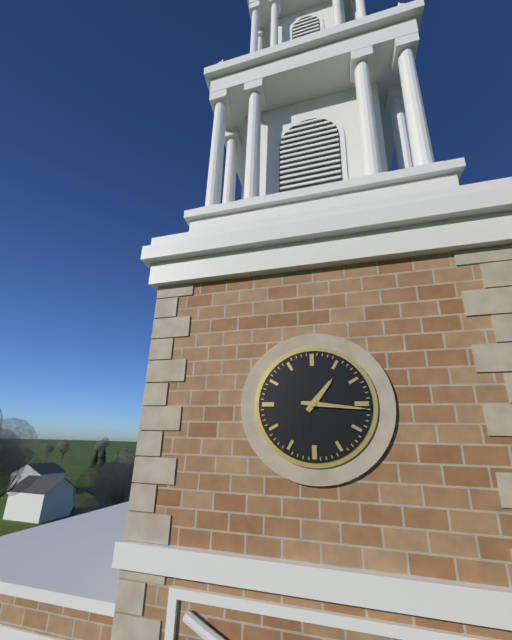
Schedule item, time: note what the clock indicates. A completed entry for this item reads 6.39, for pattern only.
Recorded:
1.16
